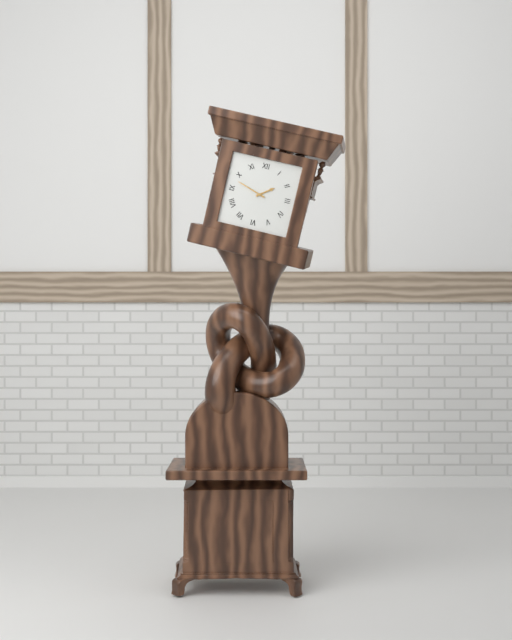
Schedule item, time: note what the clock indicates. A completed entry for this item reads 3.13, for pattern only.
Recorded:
1.48
